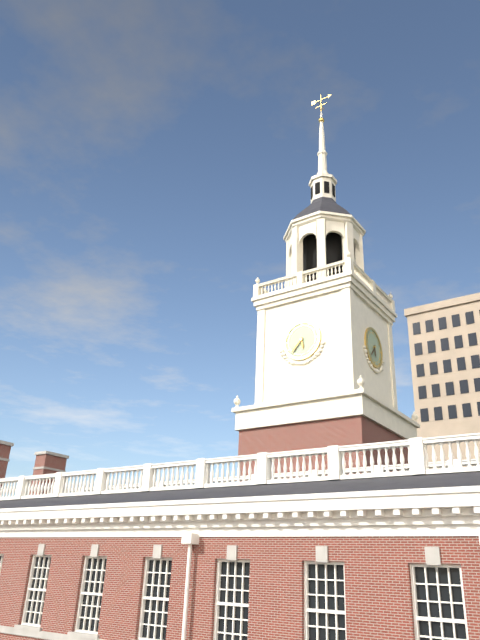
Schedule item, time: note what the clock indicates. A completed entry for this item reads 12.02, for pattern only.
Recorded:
5.37
